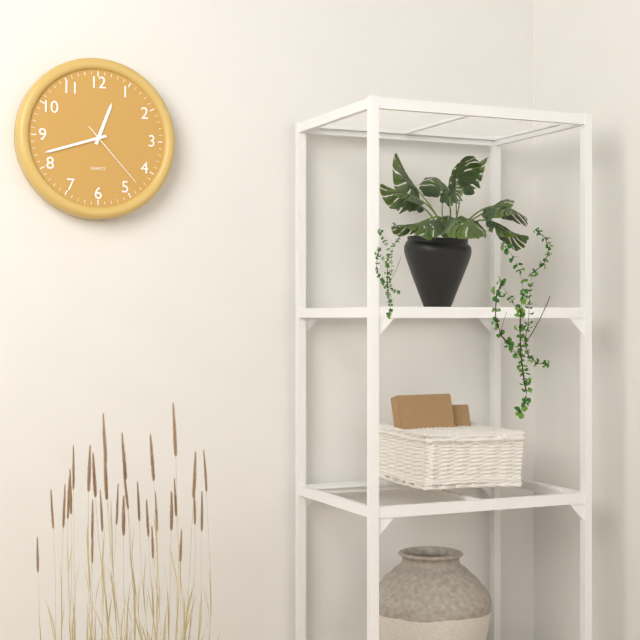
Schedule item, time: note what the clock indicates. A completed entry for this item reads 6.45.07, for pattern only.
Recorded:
12.42.23
